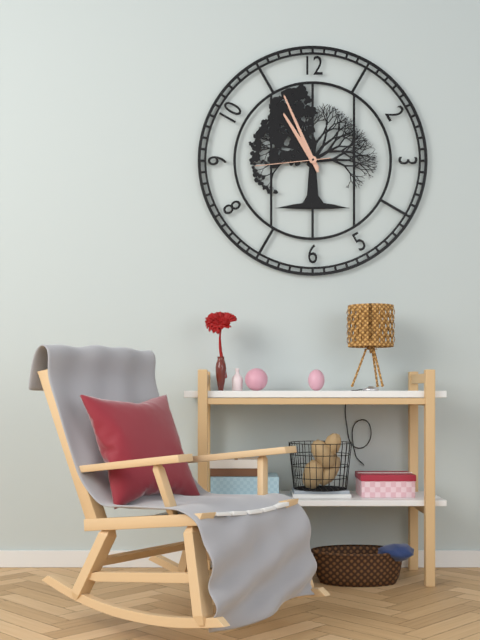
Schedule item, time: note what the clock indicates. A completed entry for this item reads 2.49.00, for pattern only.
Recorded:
10.56.44
